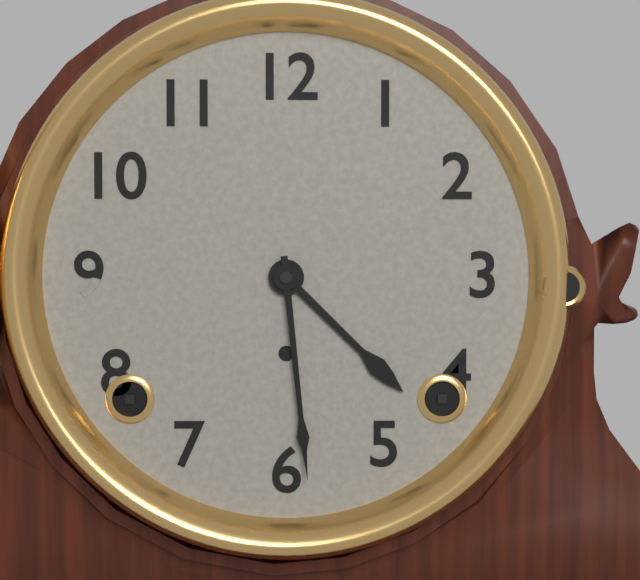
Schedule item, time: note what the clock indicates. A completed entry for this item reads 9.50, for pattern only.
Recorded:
4.29
